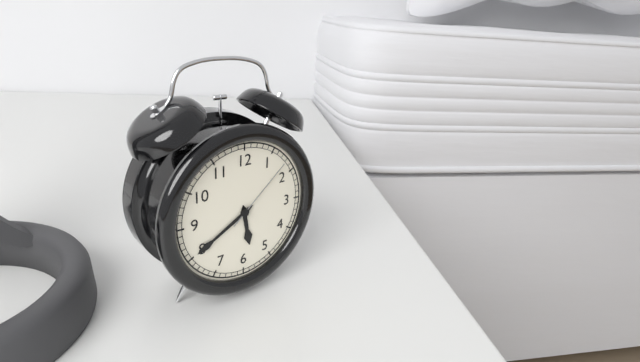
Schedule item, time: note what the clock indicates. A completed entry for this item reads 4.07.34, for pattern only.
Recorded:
5.40.08
